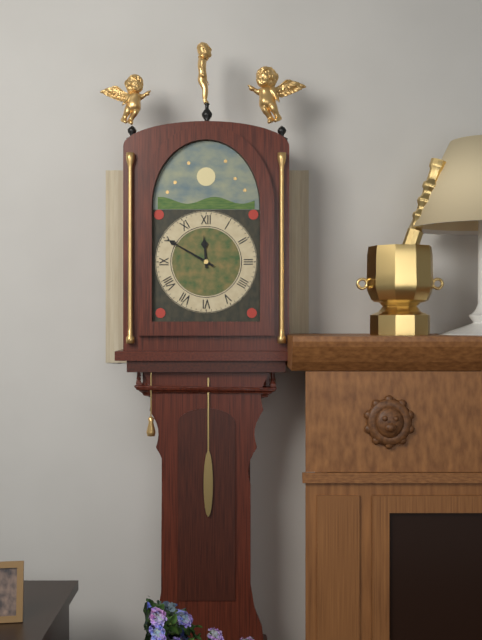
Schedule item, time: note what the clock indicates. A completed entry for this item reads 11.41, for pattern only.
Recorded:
11.50
